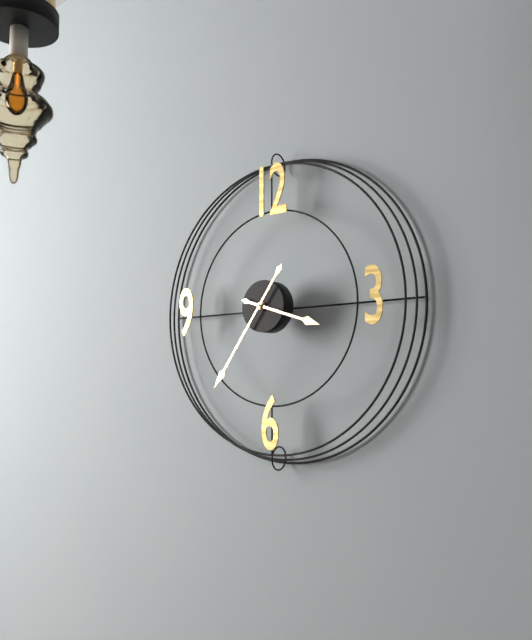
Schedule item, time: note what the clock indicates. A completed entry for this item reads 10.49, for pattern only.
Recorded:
3.36
